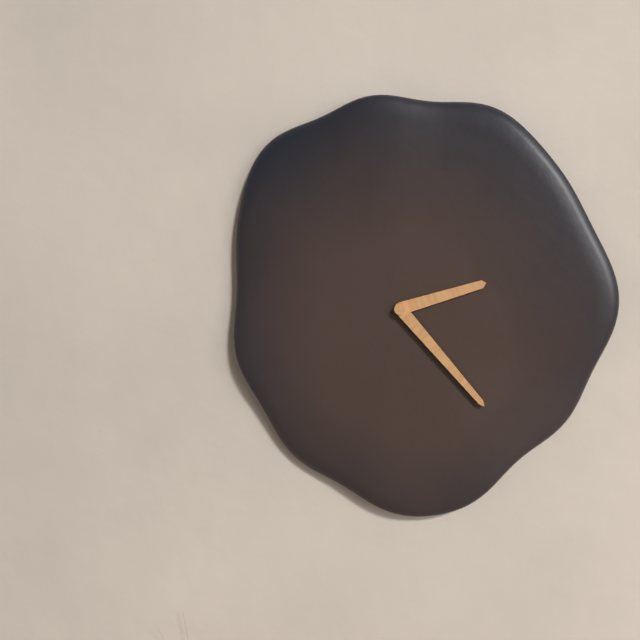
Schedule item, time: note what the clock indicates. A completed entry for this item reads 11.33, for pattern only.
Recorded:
2.23
